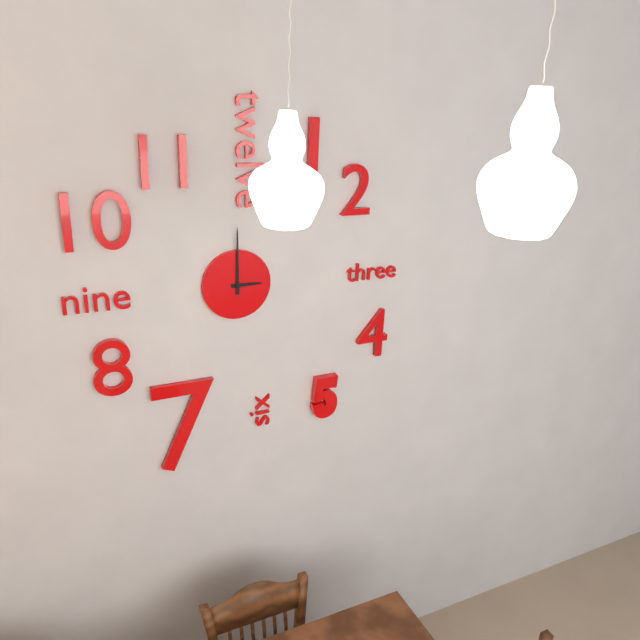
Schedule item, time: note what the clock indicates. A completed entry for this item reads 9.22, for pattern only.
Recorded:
3.00
